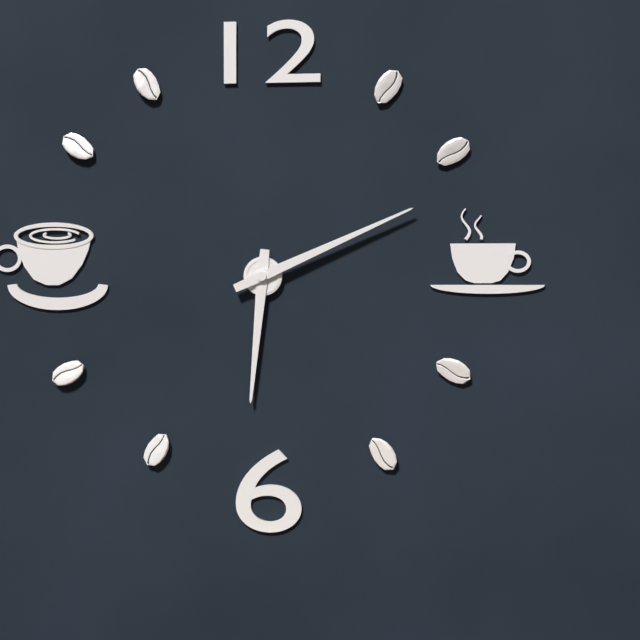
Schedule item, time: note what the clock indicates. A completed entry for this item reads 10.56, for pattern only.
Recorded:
6.11
